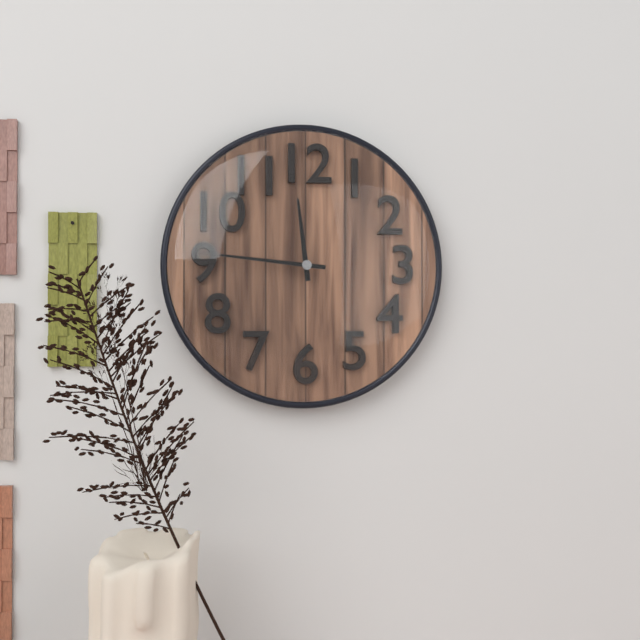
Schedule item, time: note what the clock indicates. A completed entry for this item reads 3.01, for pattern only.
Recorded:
11.46
